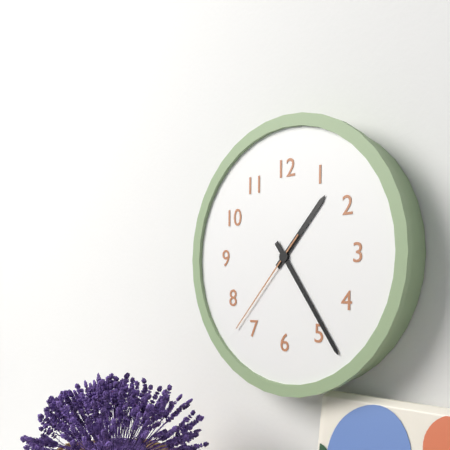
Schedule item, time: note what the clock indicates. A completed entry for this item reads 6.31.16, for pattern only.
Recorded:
1.24.37
